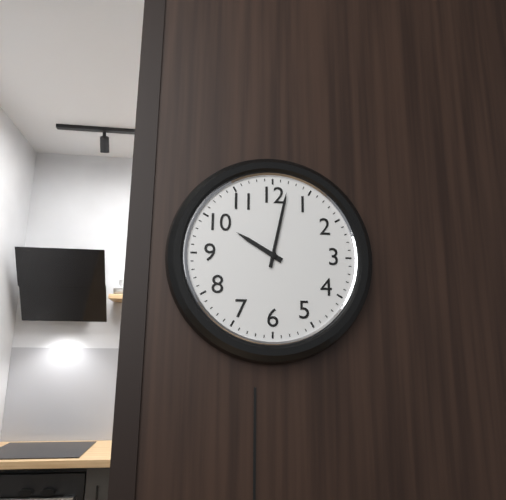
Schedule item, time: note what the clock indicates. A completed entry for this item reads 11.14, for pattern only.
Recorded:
10.02
